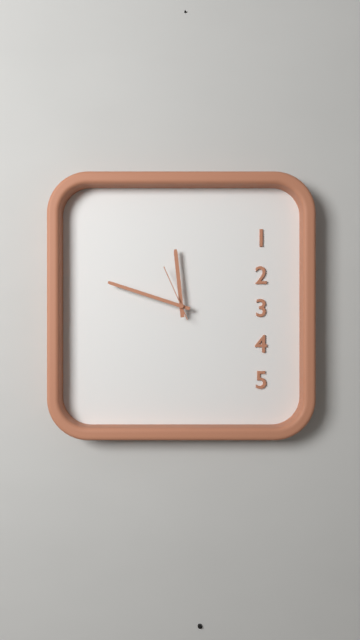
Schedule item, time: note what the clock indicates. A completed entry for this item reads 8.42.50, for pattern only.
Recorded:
11.48.56
